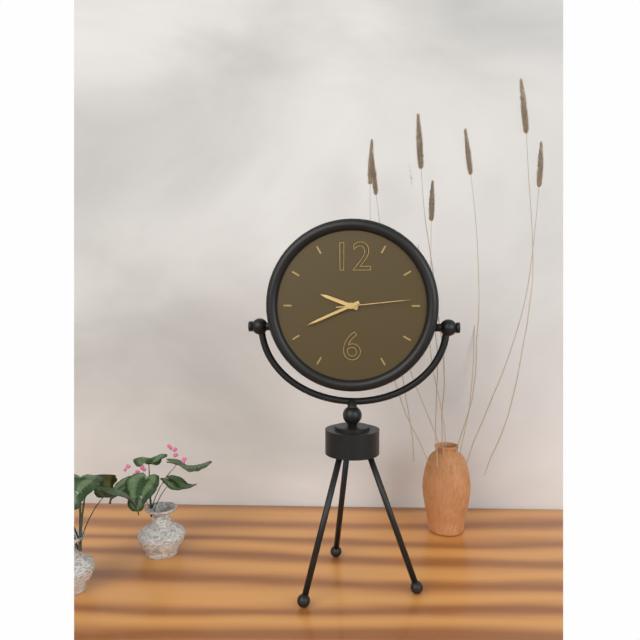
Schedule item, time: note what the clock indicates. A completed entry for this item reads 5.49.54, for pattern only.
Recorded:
9.41.14
